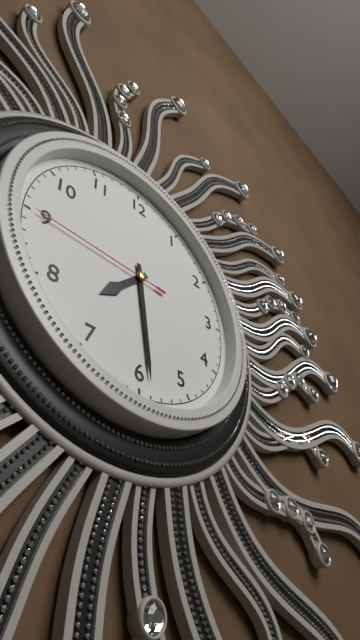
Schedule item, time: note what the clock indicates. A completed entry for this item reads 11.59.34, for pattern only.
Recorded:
7.29.45
